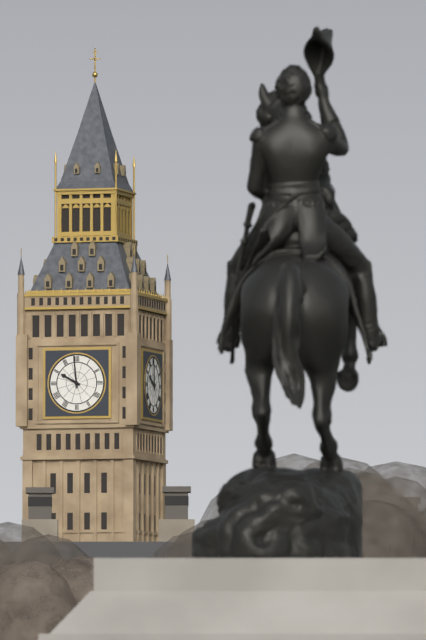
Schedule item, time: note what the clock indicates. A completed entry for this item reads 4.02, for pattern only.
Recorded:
9.59
